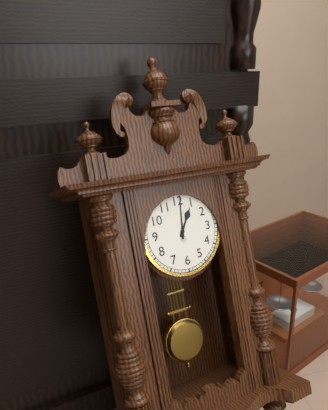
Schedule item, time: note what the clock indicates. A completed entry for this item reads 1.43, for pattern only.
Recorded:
1.01
